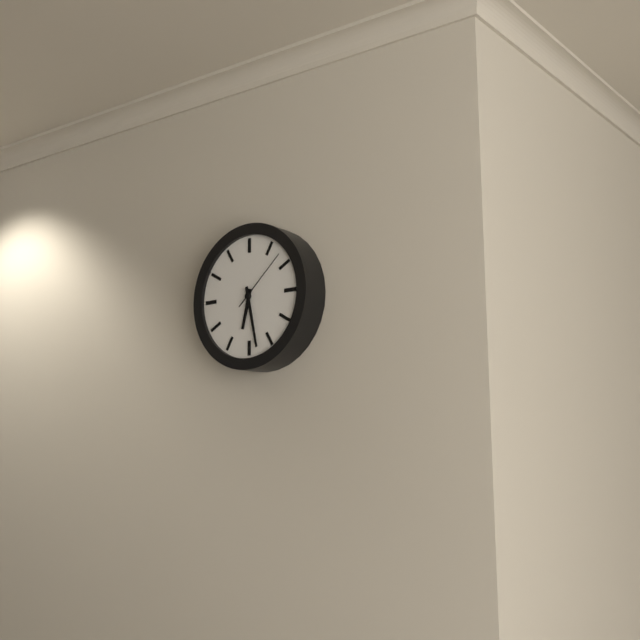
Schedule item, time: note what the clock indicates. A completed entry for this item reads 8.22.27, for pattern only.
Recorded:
6.28.08
